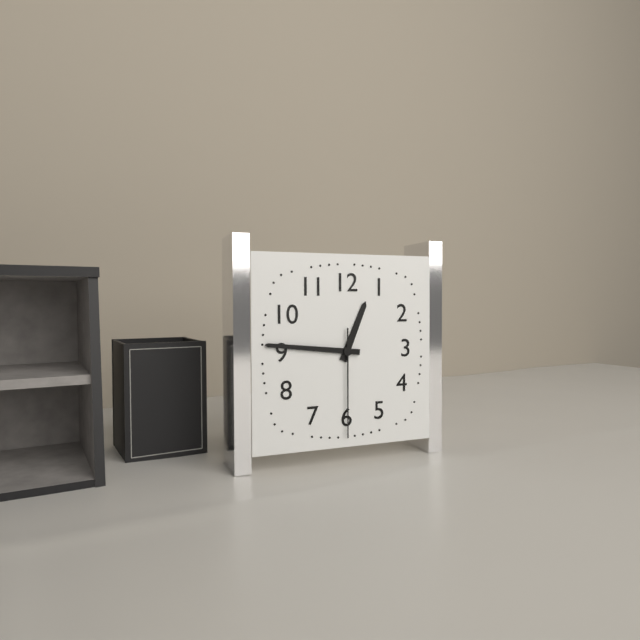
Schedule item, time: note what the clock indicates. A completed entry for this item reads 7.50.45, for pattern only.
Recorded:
12.46.30
